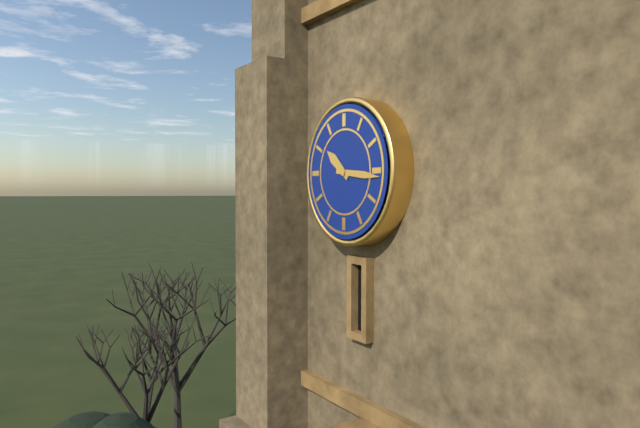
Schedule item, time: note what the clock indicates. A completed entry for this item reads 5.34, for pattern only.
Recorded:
10.16
